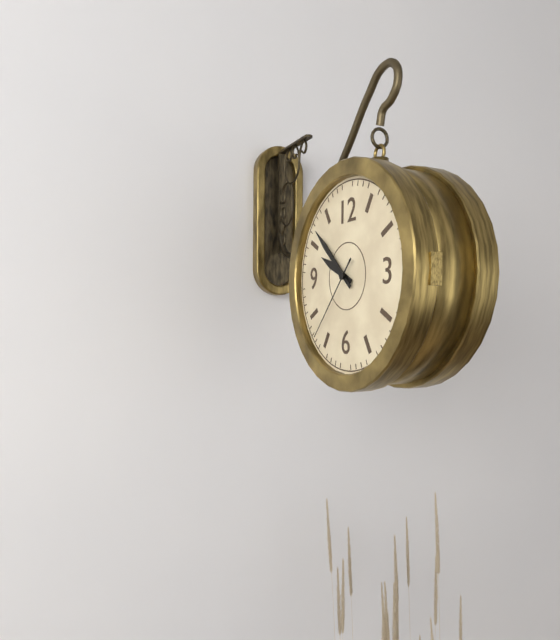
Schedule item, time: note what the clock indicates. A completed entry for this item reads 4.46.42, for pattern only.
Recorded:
9.52.37
